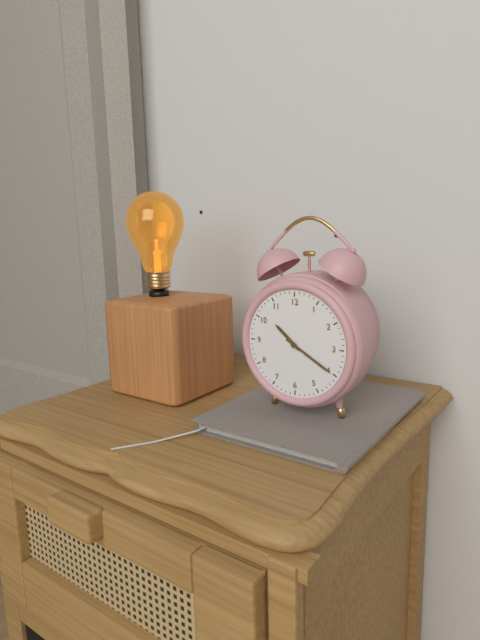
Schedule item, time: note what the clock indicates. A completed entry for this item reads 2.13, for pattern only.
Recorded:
10.20
